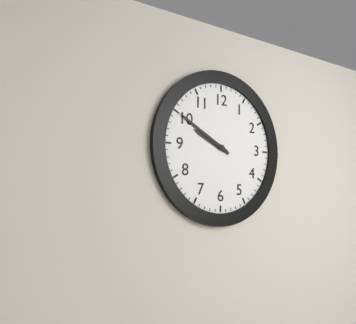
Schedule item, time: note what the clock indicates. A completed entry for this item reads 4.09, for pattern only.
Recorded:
9.50
